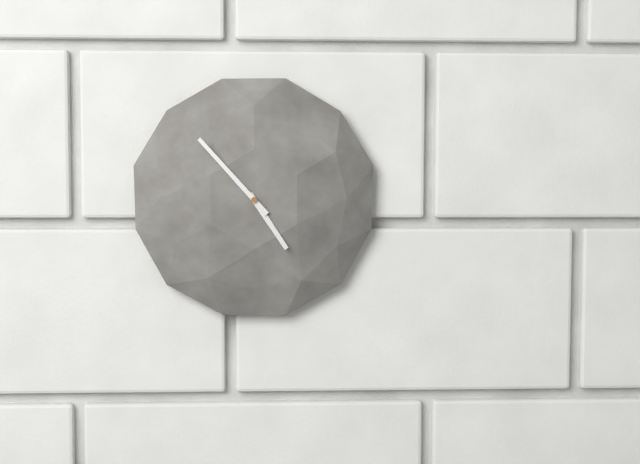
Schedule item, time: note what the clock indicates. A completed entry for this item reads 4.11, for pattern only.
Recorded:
4.53
